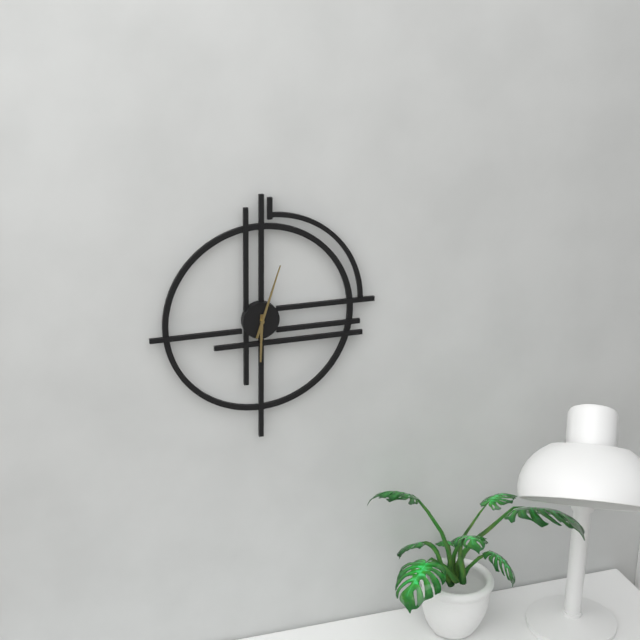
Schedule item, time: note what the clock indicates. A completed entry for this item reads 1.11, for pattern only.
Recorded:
6.03
